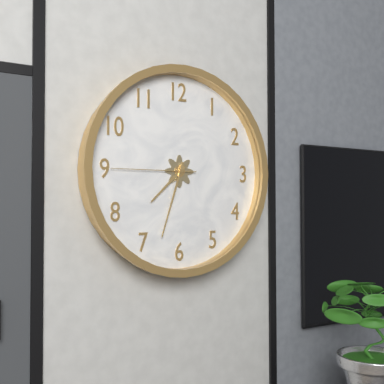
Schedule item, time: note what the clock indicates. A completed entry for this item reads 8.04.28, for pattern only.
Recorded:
7.33.45
